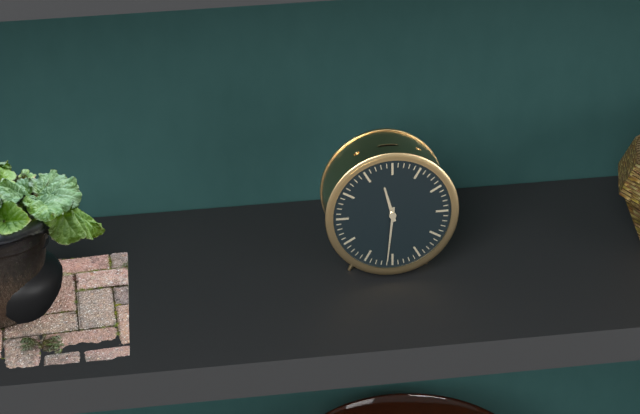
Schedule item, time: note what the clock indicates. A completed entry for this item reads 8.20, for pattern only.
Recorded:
11.31
